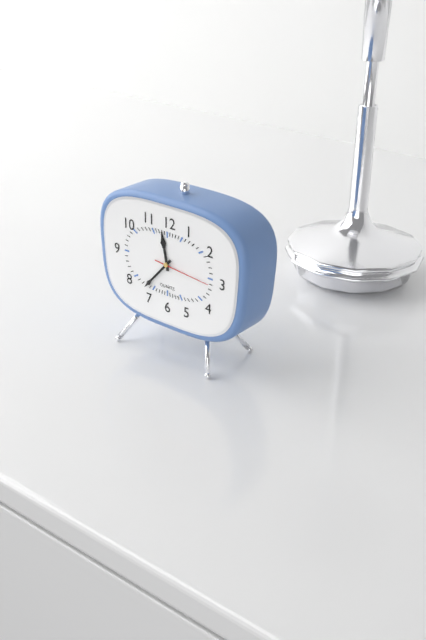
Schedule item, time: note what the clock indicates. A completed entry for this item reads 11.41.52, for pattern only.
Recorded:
11.37.16
